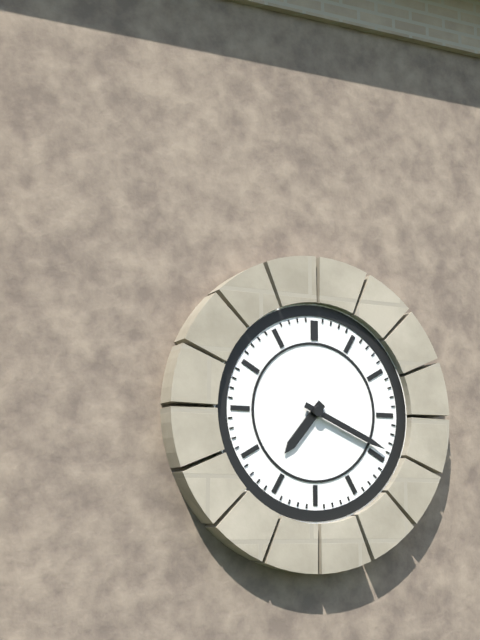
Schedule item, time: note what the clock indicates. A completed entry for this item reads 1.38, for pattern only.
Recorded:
7.19
